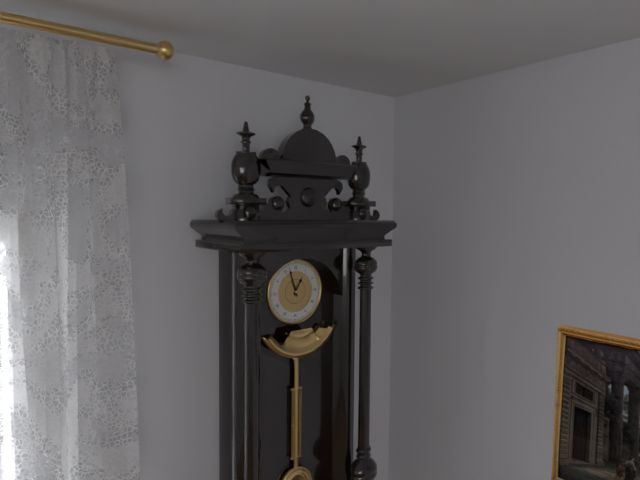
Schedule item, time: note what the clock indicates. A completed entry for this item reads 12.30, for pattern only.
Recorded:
12.57
